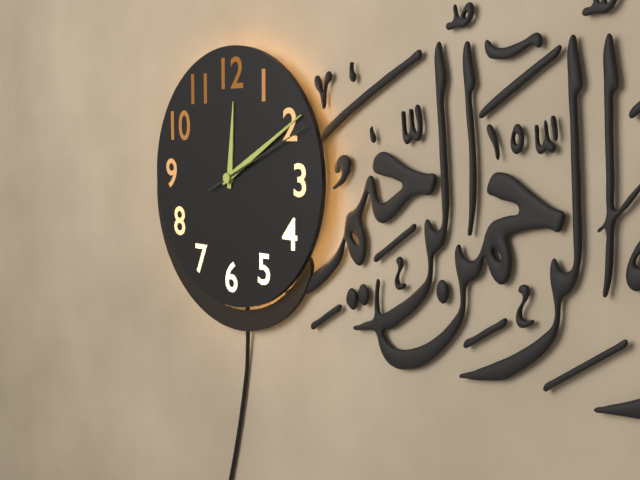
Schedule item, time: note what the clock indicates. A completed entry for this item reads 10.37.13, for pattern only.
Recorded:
12.10.11
